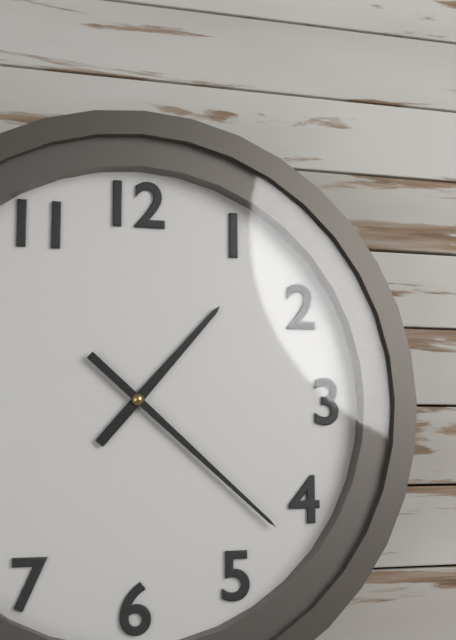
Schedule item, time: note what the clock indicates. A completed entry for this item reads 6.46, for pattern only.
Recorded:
1.22
